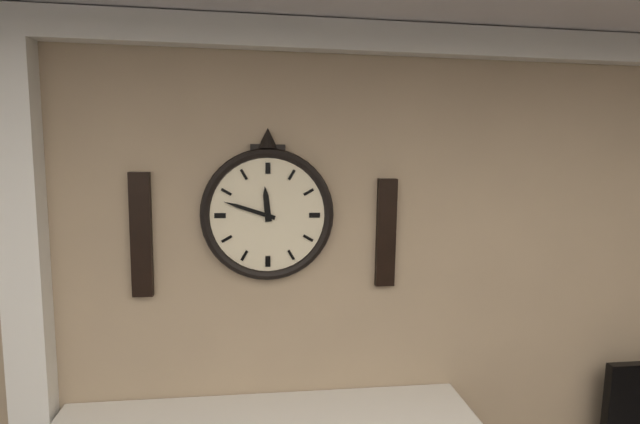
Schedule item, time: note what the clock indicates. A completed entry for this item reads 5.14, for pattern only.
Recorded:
11.48
